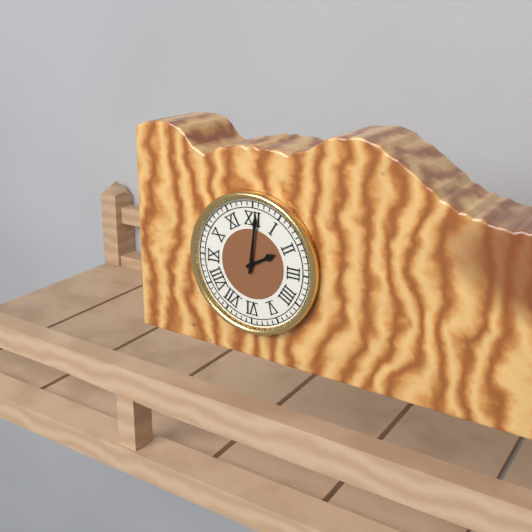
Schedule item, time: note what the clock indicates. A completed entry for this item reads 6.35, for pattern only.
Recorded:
2.01
